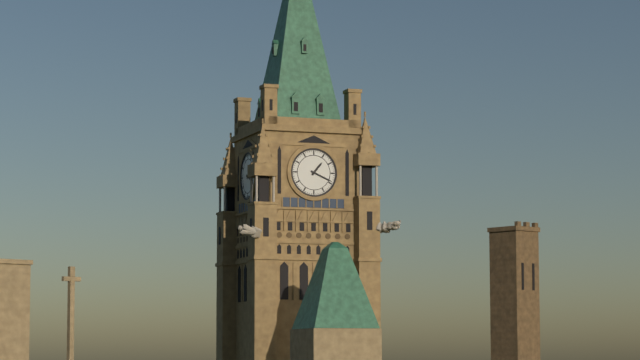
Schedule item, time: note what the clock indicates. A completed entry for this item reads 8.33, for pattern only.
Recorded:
1.19
